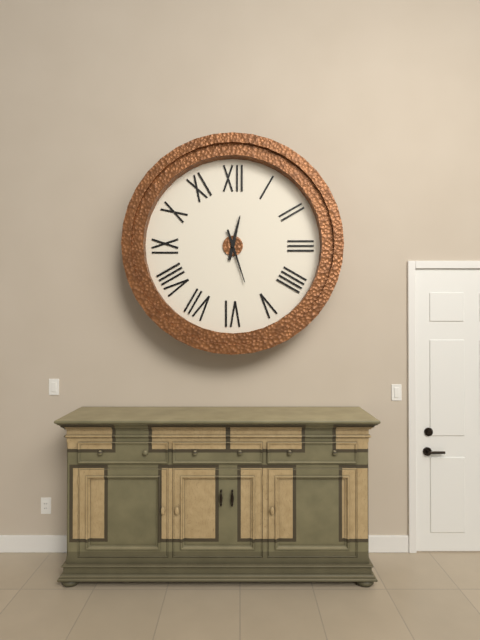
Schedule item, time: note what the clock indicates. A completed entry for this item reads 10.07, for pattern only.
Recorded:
12.27
